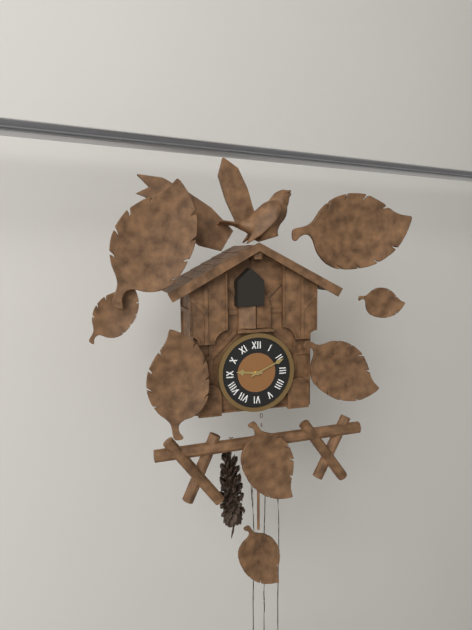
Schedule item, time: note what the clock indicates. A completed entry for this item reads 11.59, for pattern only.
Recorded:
9.11
